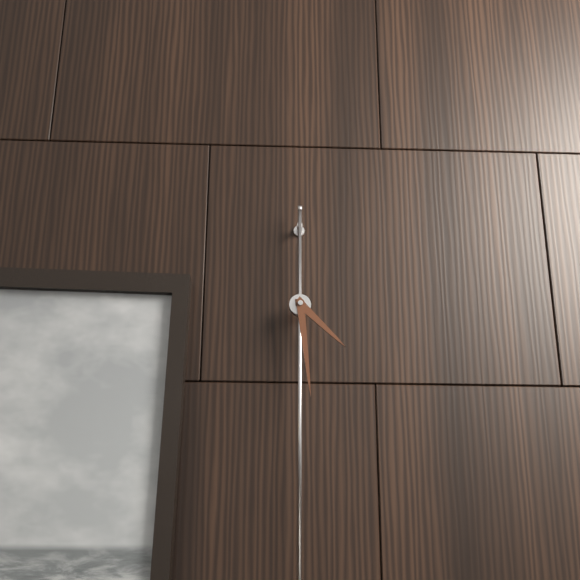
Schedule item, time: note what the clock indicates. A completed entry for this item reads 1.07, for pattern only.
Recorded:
4.29
